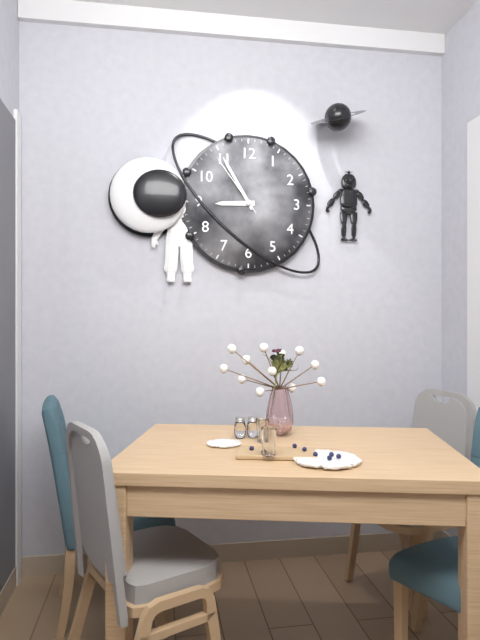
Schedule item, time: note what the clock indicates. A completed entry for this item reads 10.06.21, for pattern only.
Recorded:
8.55.54
